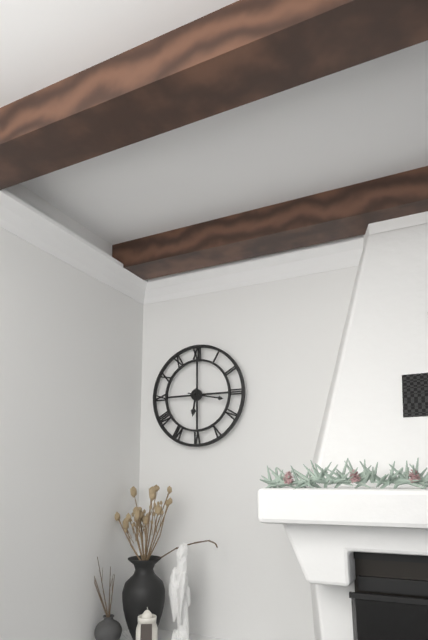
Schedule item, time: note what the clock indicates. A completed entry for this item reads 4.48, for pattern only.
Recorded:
6.17
